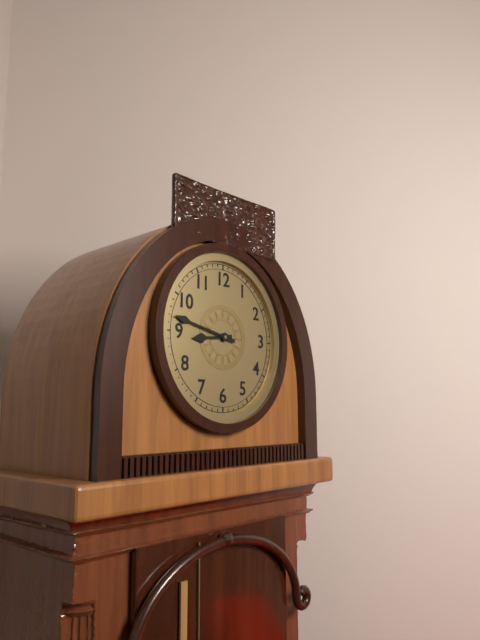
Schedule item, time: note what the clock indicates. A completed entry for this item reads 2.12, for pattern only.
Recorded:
8.47
